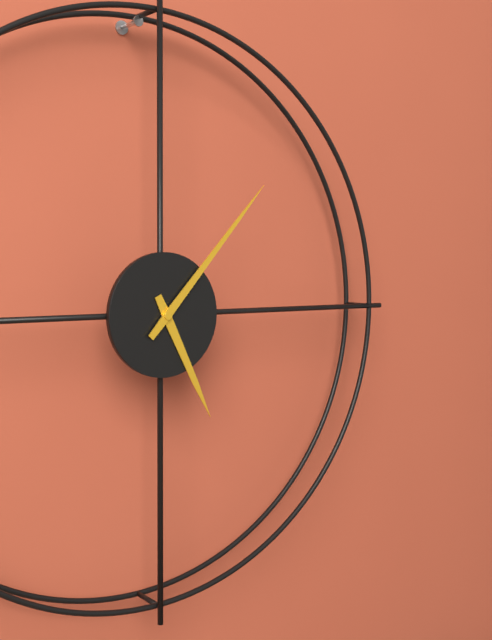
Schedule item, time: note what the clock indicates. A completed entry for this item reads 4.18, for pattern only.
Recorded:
5.07
